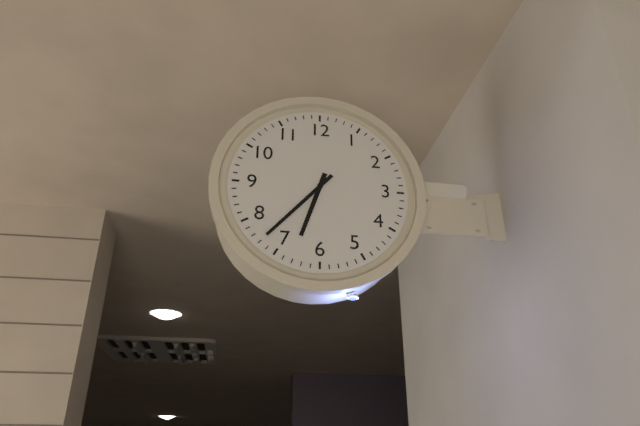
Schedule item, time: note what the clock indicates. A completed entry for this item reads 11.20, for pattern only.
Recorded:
6.37
